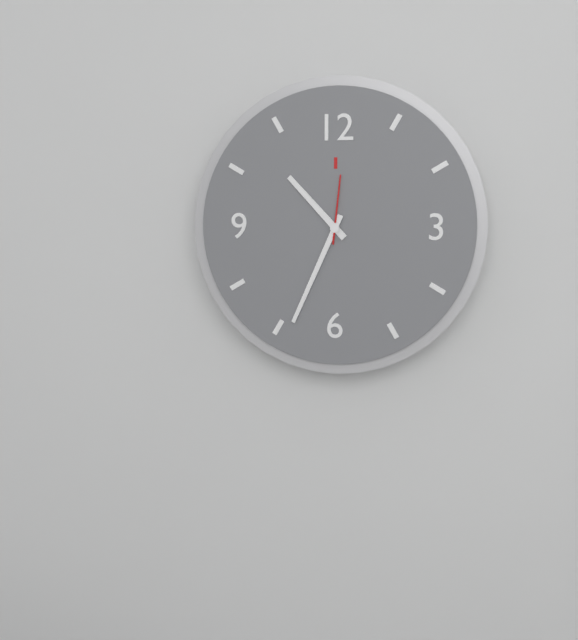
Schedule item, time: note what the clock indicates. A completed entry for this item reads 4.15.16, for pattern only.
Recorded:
10.34.01
